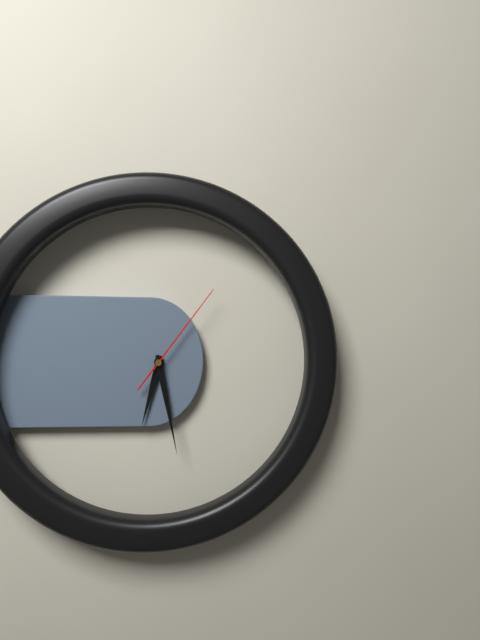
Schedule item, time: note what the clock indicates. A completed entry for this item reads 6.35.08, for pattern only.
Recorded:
6.28.06
